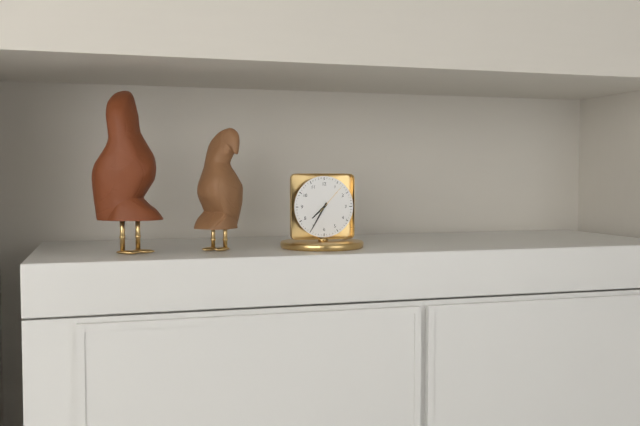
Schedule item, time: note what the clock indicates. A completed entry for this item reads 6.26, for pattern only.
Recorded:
7.35
